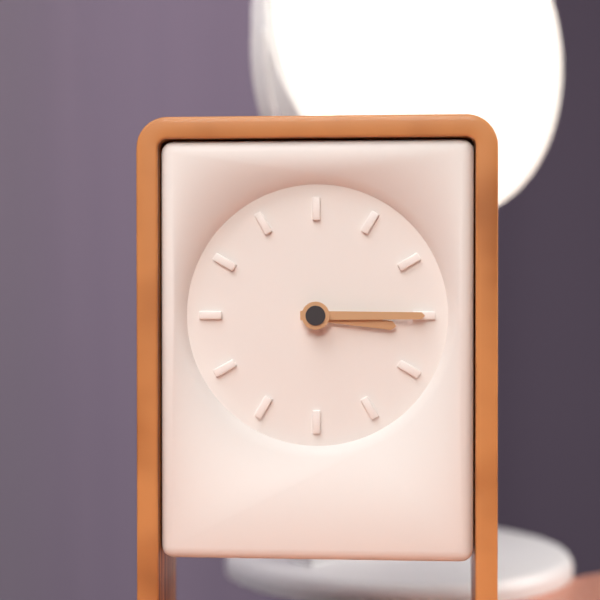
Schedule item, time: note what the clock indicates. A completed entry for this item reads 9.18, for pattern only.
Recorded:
3.15
